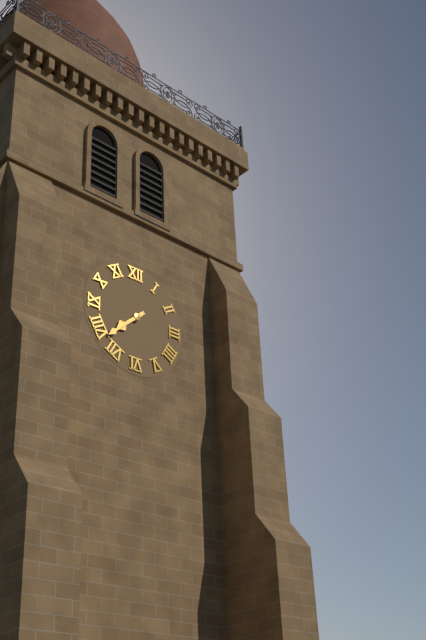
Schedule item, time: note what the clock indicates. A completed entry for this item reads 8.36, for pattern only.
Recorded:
7.38
